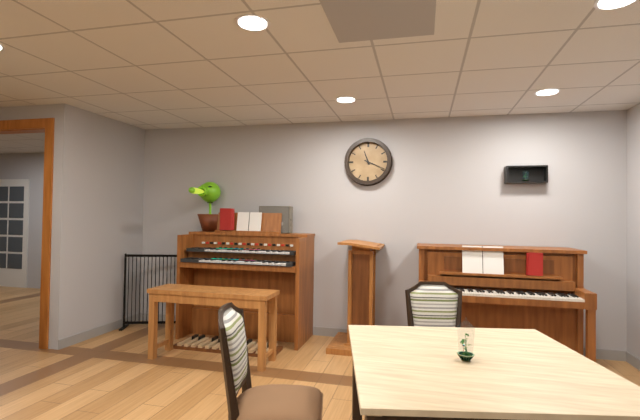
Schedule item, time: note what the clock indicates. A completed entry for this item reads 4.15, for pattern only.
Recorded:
11.19
